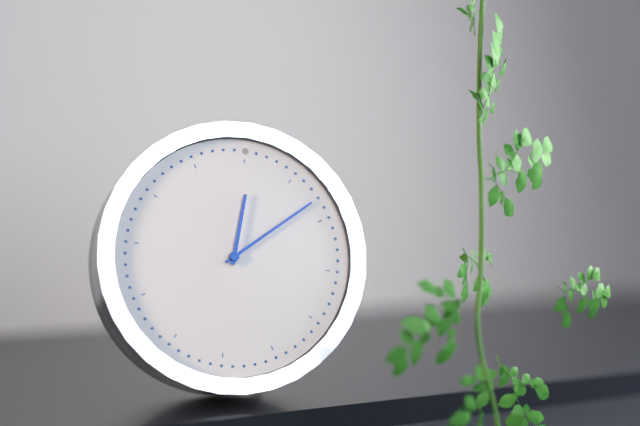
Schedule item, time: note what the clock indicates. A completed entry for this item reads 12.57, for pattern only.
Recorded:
12.08
